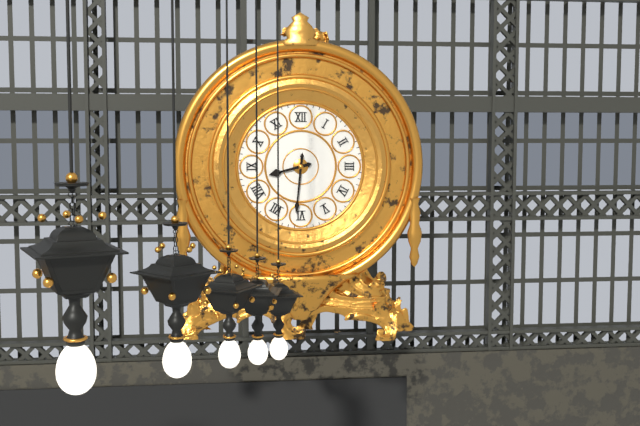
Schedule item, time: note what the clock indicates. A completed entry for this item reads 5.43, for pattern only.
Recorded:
8.31
